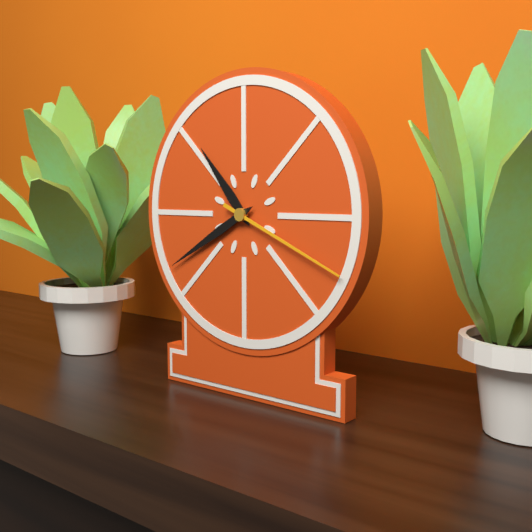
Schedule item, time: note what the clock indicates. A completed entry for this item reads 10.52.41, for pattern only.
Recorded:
10.40.19
